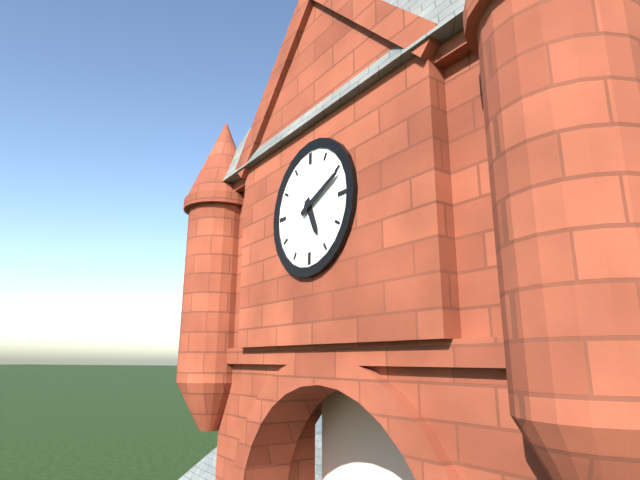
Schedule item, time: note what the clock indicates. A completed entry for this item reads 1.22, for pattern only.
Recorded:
5.11
